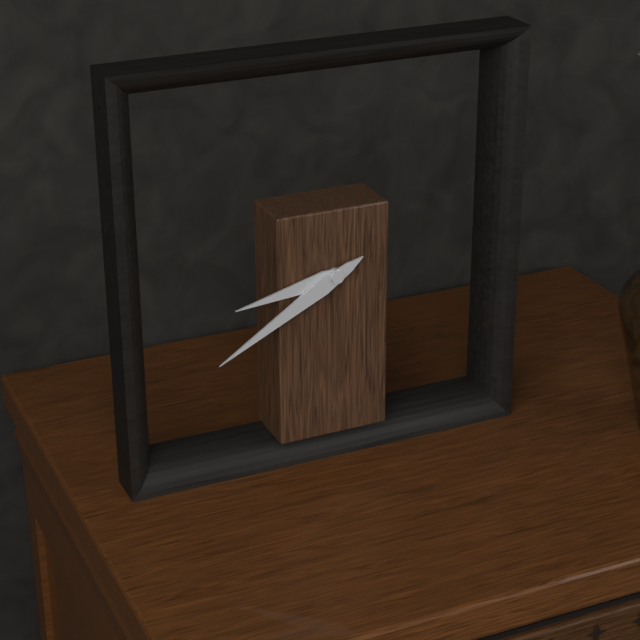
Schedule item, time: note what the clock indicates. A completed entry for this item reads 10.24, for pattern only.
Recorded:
8.40
